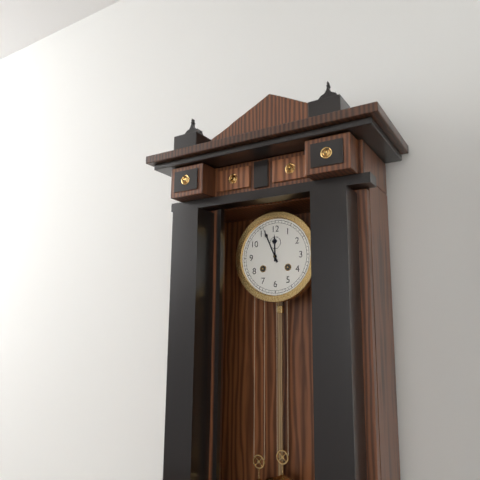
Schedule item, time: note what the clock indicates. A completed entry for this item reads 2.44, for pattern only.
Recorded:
11.56
